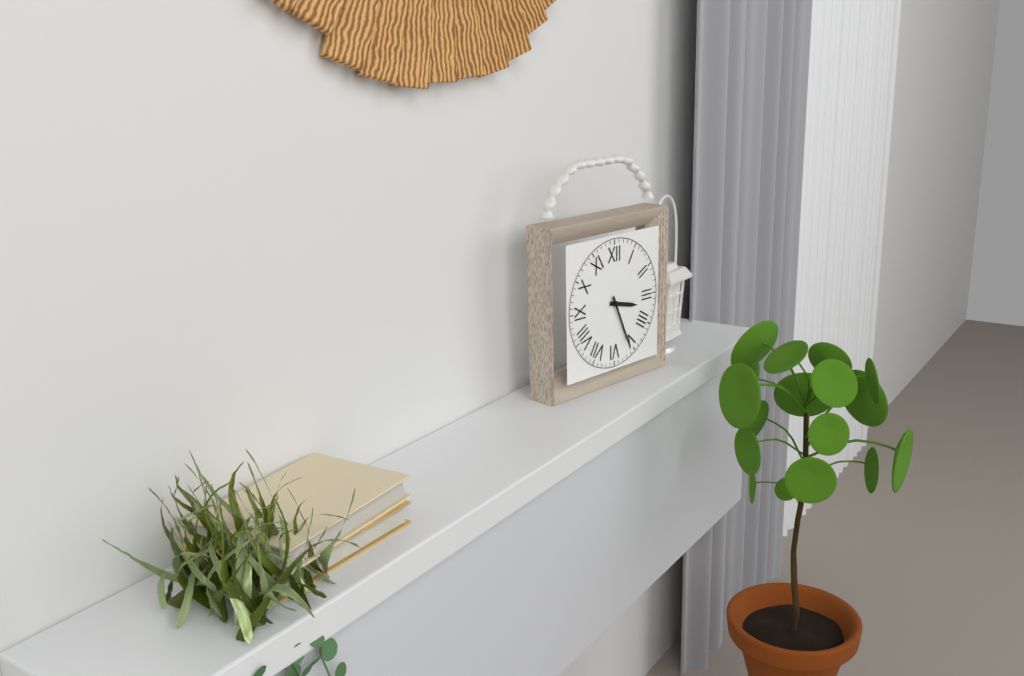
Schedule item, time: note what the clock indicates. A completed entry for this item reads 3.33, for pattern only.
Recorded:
3.26
